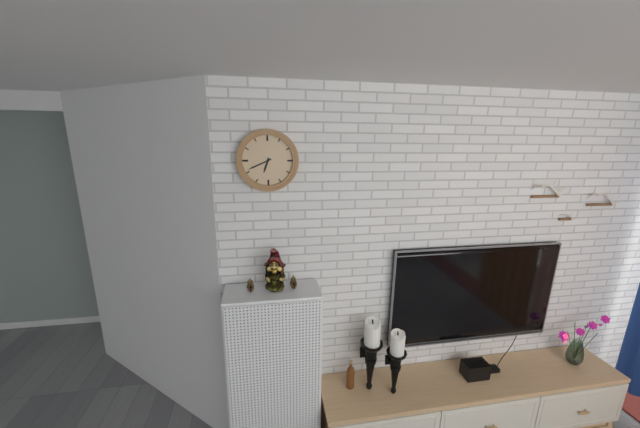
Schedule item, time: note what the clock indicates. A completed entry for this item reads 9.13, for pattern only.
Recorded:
6.41
